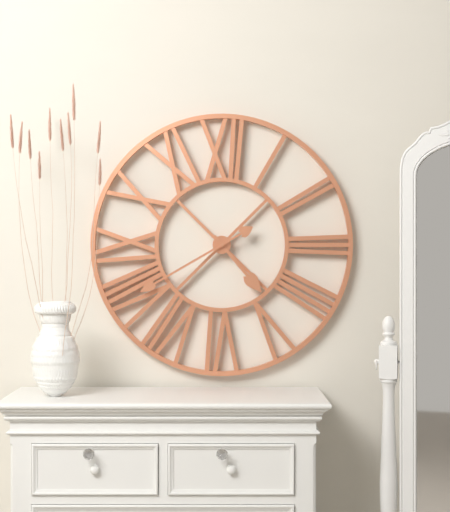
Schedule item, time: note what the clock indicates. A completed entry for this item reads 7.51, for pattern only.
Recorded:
4.40
